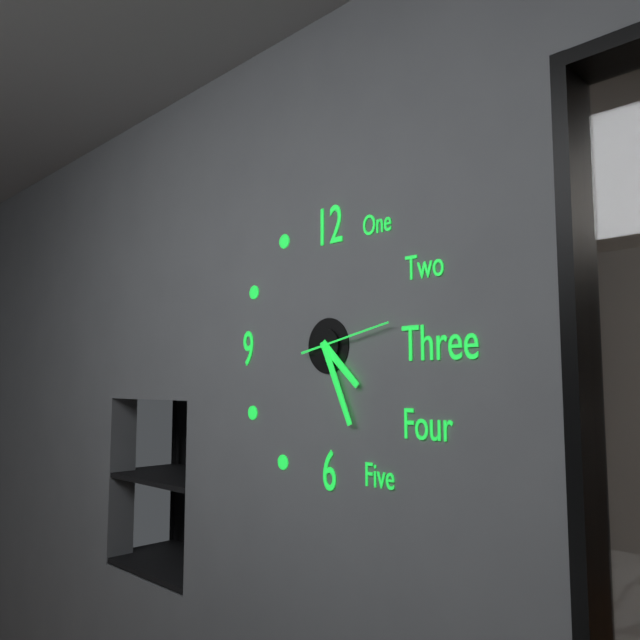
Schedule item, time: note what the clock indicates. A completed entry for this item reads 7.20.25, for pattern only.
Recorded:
4.26.13
